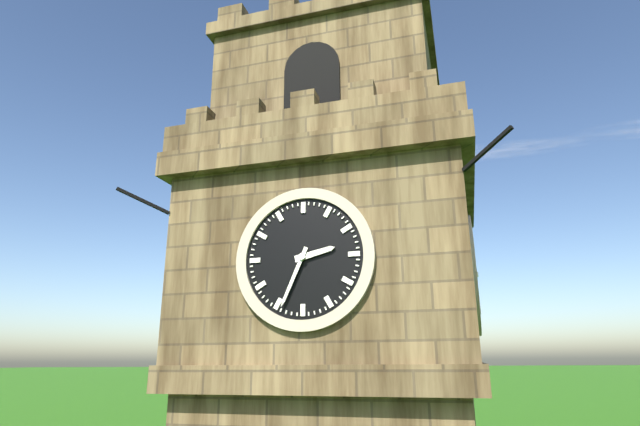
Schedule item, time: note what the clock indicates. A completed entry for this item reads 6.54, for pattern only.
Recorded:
2.34
